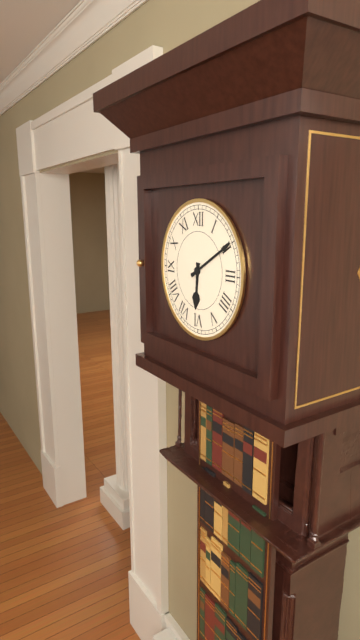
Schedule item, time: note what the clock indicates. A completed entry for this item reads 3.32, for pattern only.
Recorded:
6.10
